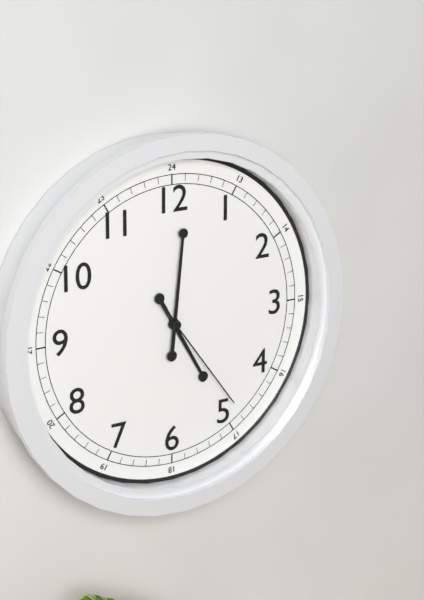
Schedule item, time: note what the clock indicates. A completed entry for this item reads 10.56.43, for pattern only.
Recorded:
5.01.24
